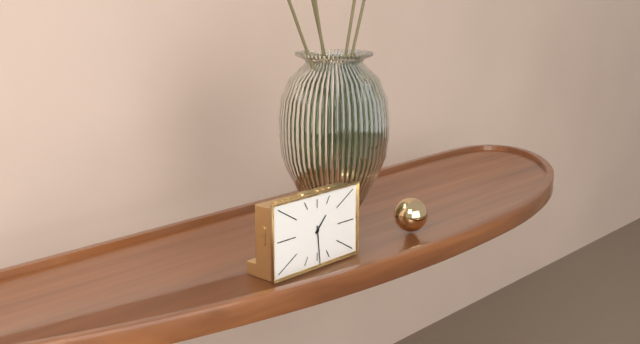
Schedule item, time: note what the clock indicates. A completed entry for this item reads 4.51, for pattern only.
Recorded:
1.29
